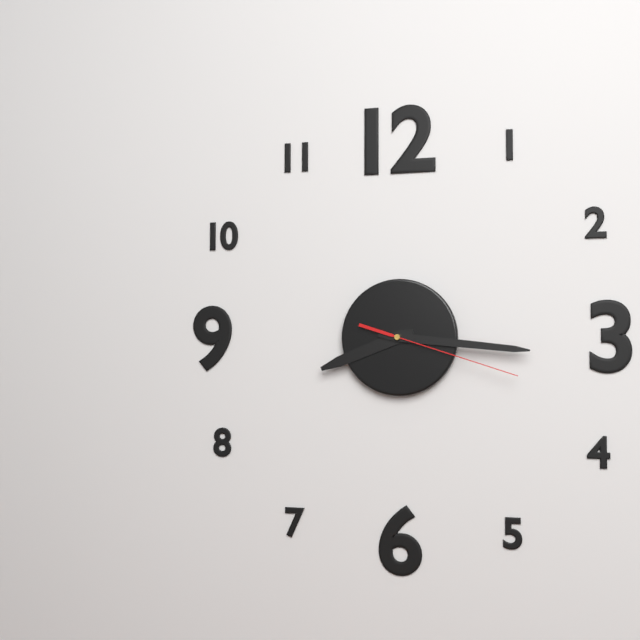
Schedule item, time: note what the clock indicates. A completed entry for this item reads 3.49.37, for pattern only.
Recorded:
8.16.18
